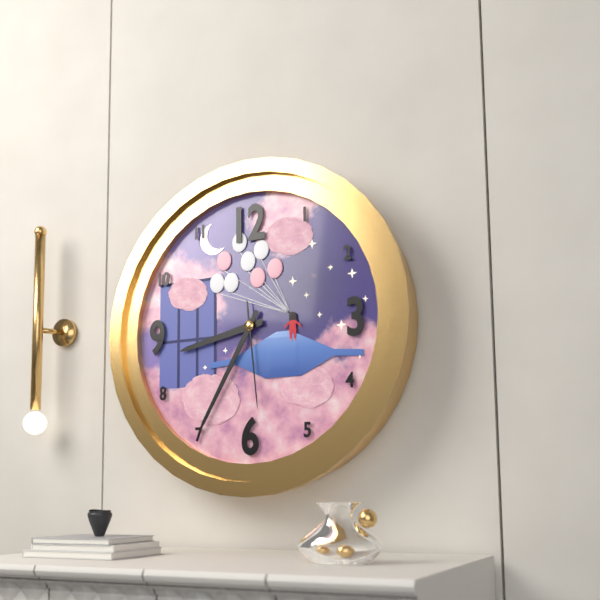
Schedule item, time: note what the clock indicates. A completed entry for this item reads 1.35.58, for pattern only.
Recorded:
8.35.29
